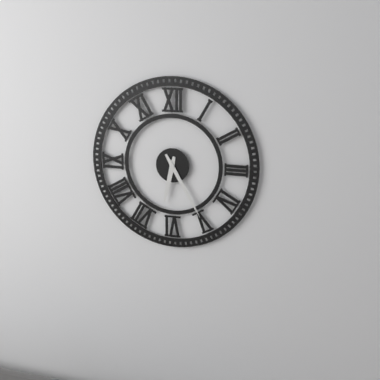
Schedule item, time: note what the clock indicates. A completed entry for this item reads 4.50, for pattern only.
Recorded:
6.25
